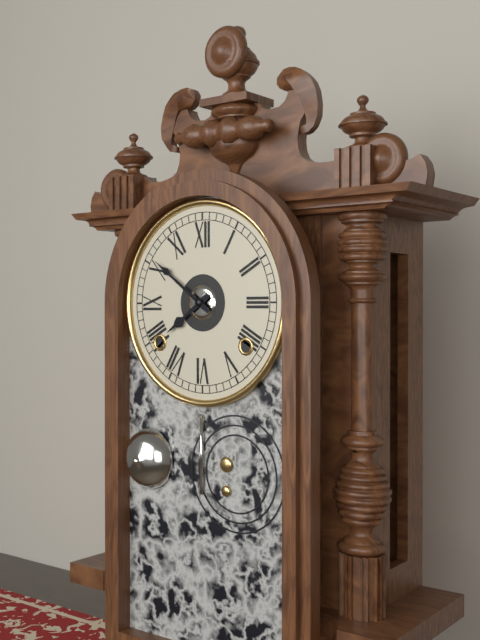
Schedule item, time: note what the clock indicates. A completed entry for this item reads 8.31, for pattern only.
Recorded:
7.51
